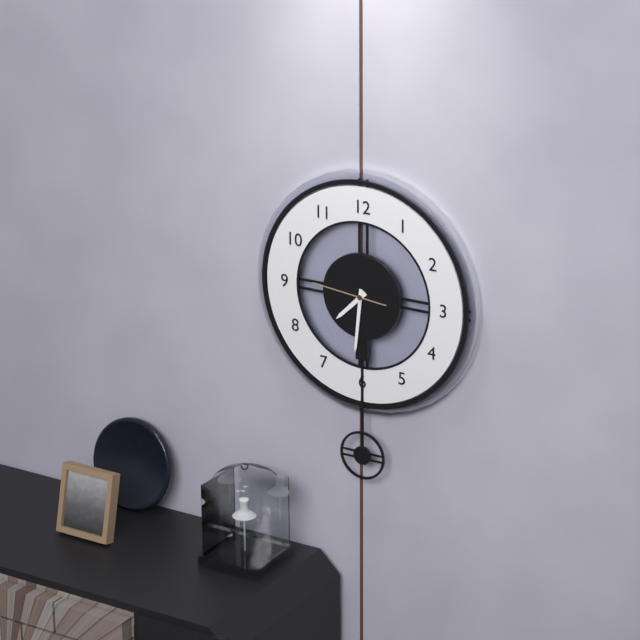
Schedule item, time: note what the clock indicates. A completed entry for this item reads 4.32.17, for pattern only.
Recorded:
7.31.46
